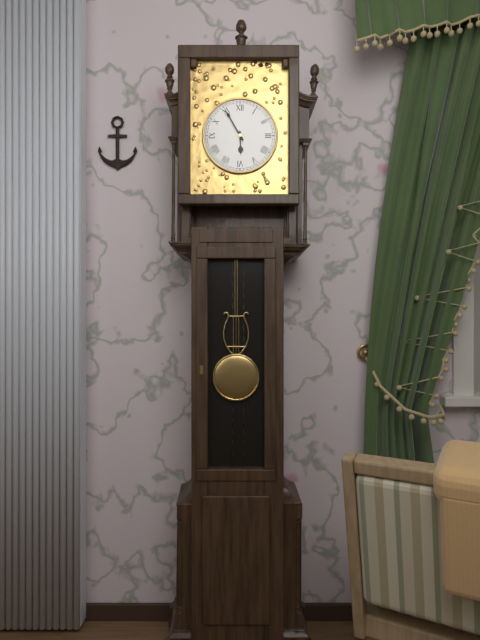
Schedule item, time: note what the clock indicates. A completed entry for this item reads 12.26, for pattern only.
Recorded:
5.55
